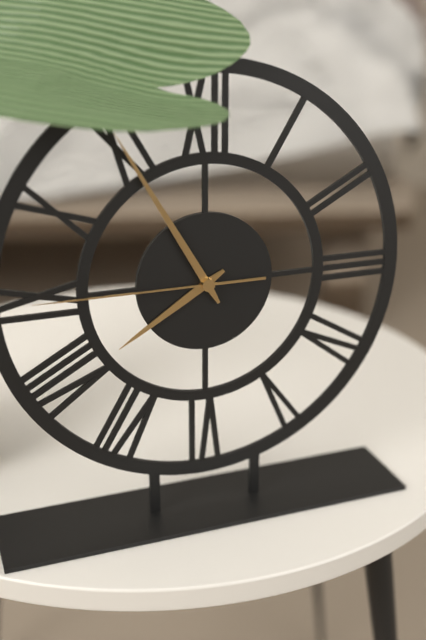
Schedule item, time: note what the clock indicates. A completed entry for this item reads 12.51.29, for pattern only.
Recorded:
7.55.45
